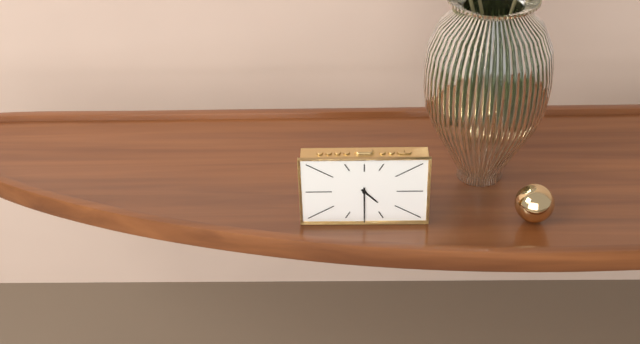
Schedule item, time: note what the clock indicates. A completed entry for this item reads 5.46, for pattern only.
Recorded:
4.30
